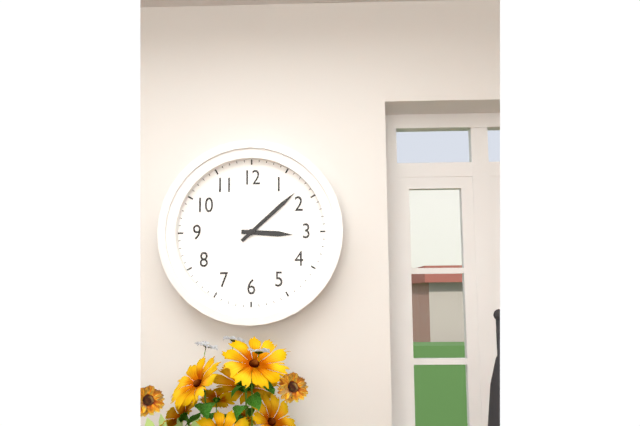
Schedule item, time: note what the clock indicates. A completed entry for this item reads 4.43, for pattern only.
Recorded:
3.08
